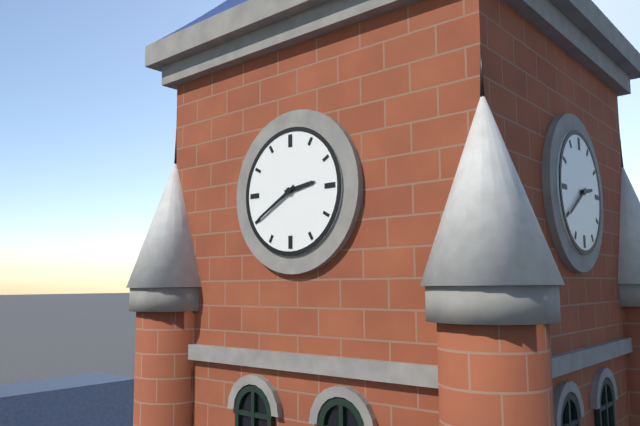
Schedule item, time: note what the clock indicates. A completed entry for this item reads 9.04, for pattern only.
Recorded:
2.40
